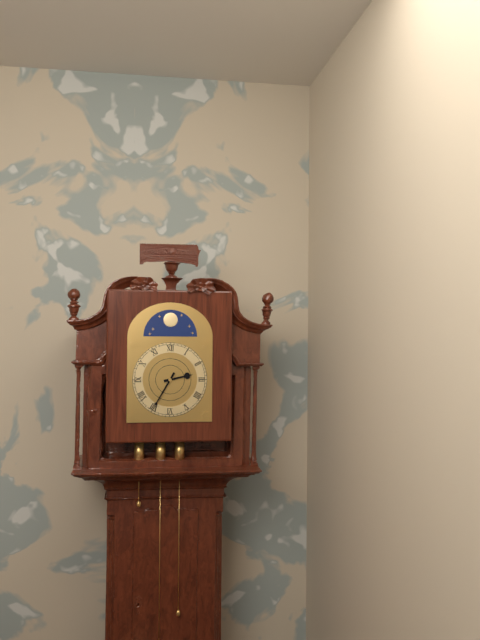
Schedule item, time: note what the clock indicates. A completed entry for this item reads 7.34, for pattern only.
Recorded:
2.35
